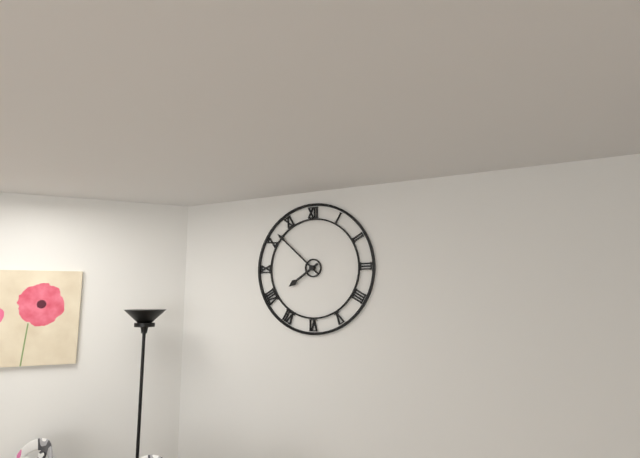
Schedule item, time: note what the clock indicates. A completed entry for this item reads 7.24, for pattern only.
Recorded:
7.52
